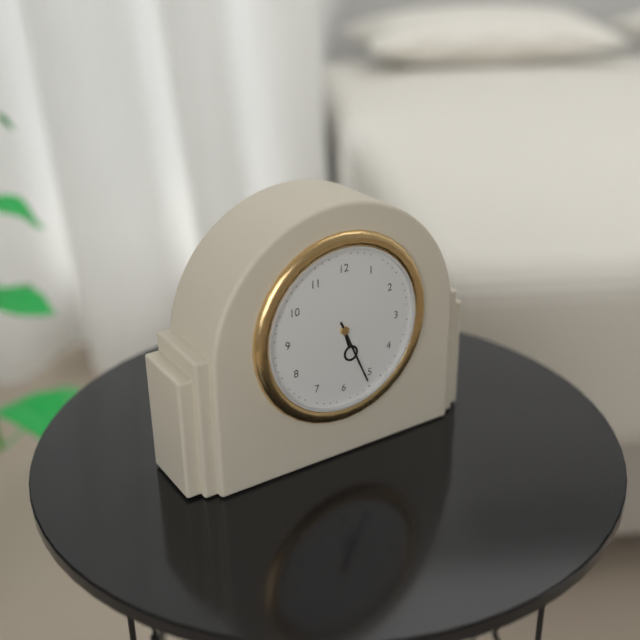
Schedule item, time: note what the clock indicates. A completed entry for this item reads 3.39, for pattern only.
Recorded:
5.26
